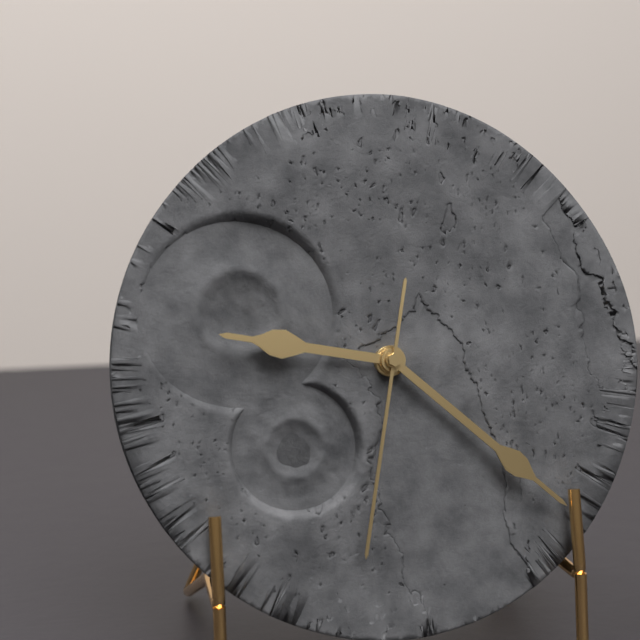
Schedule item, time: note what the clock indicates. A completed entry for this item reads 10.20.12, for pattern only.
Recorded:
9.22.32
